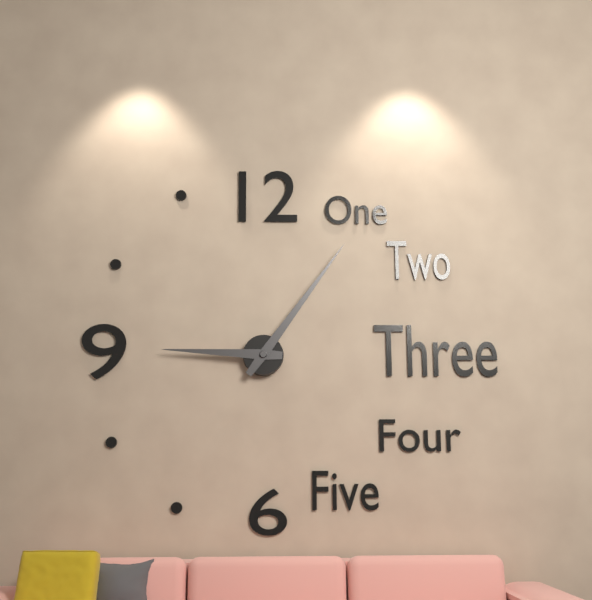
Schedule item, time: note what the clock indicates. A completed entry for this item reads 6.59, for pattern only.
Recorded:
9.06
